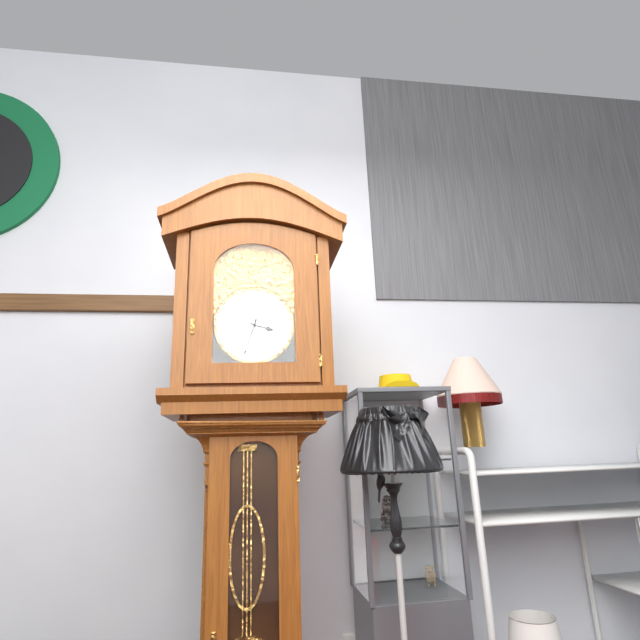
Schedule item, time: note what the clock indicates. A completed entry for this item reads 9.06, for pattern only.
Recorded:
3.33
